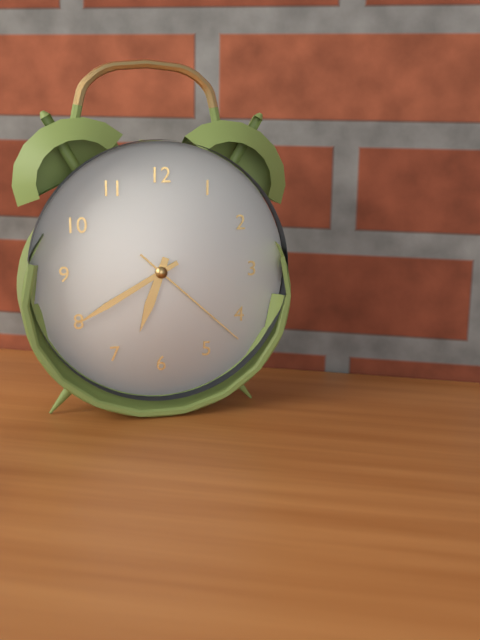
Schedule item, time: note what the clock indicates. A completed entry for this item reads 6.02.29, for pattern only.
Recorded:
6.40.22
